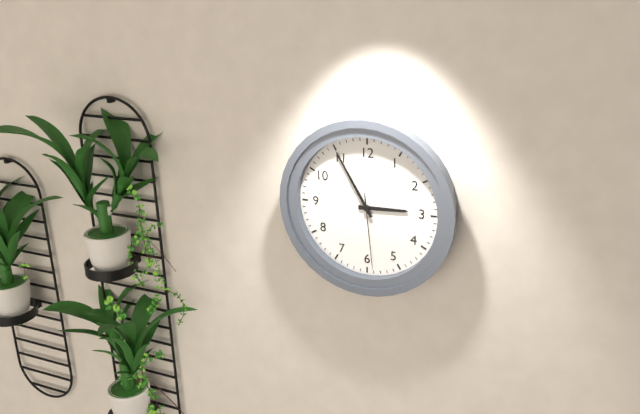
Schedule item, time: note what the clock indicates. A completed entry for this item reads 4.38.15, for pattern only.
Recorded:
2.55.29
